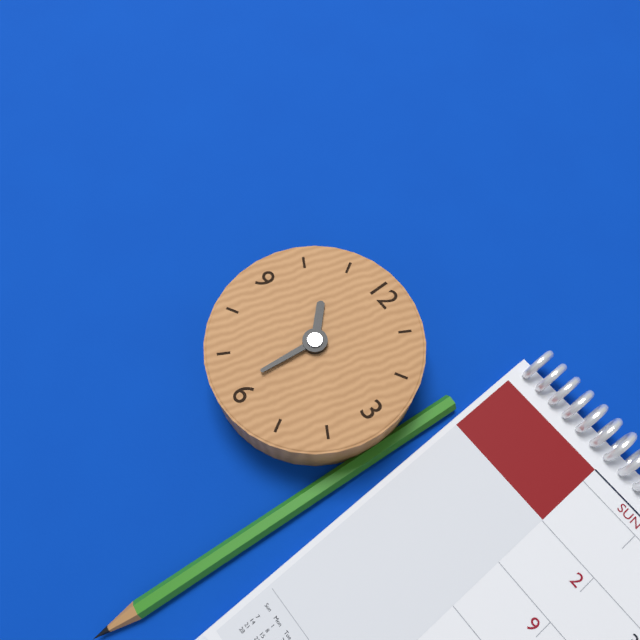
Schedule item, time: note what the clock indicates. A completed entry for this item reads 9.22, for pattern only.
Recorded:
10.31
